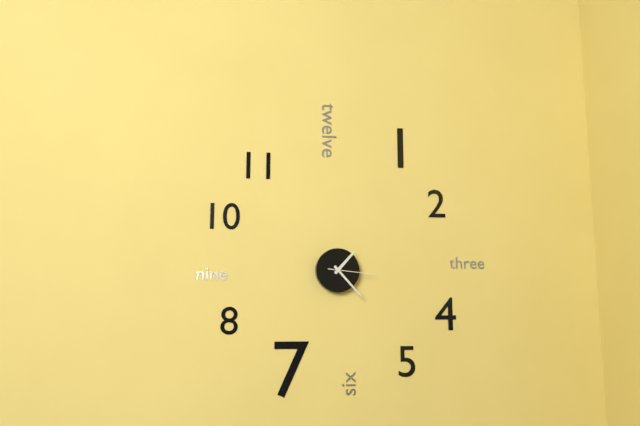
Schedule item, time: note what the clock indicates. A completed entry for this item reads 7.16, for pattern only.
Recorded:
1.23
